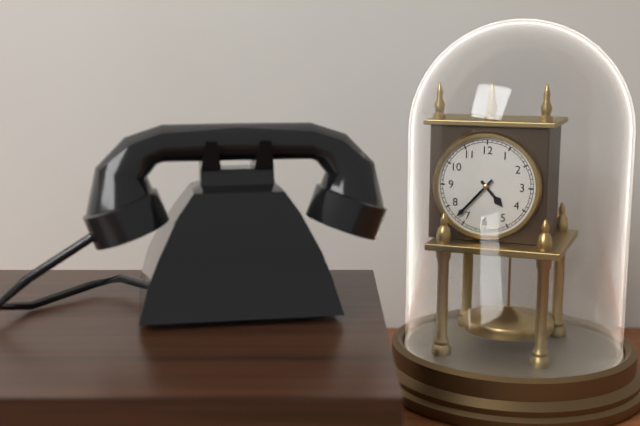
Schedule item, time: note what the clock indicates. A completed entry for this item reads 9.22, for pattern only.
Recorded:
4.37
